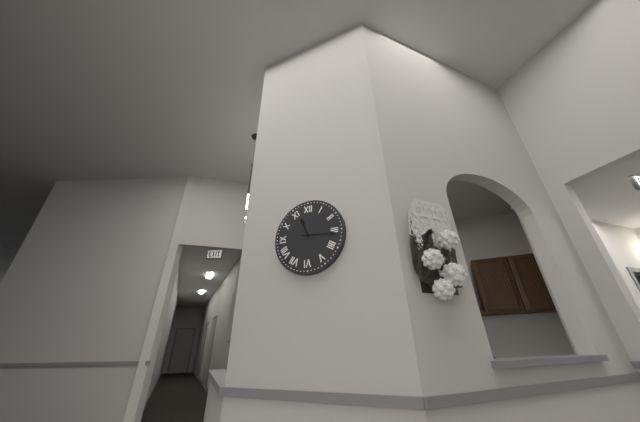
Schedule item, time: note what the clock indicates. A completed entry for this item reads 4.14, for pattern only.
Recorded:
11.16
